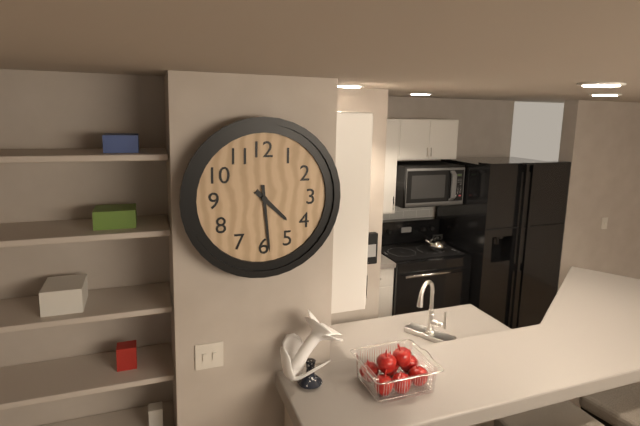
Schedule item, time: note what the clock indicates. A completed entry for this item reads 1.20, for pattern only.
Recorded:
4.29
